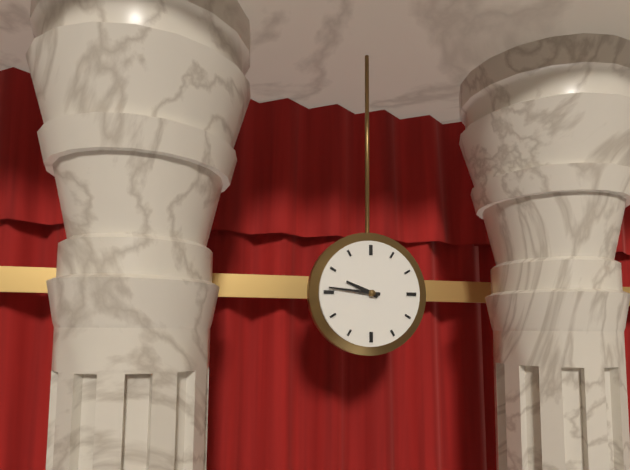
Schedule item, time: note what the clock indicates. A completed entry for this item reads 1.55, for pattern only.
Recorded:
9.46
